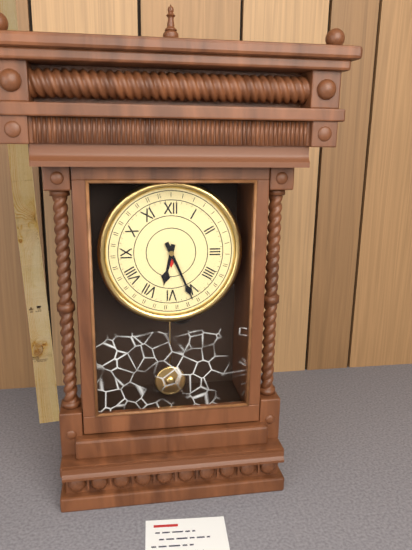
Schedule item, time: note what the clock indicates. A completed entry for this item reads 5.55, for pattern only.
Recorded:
6.26
